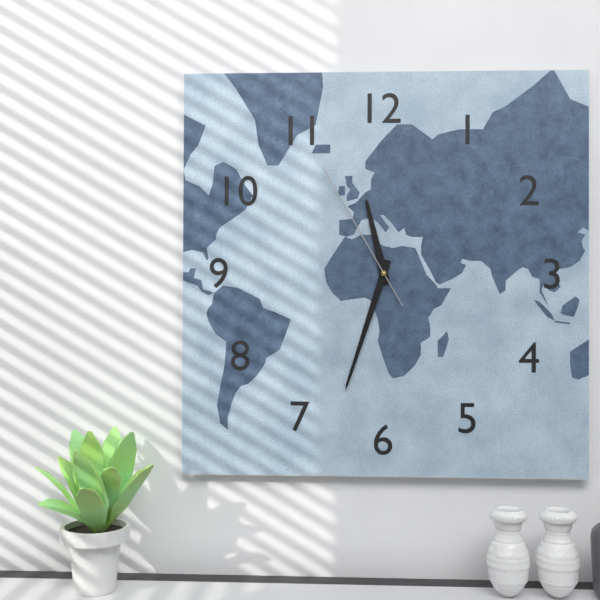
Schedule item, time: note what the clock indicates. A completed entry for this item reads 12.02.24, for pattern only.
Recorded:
11.33.55
